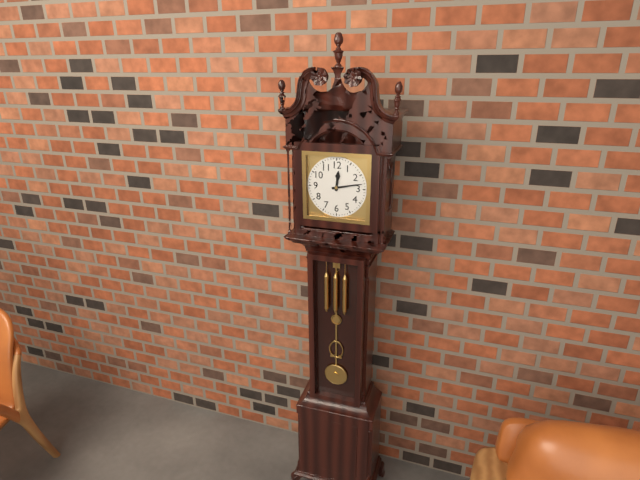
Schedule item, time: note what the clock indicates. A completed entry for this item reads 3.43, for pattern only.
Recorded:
12.13
